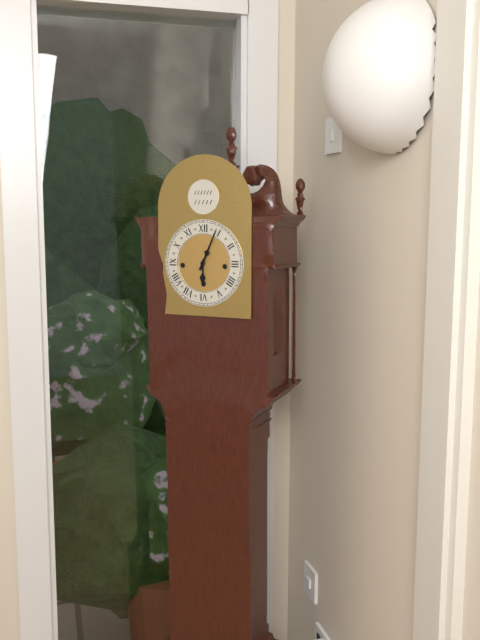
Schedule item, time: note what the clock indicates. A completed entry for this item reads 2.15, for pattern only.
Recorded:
6.04
